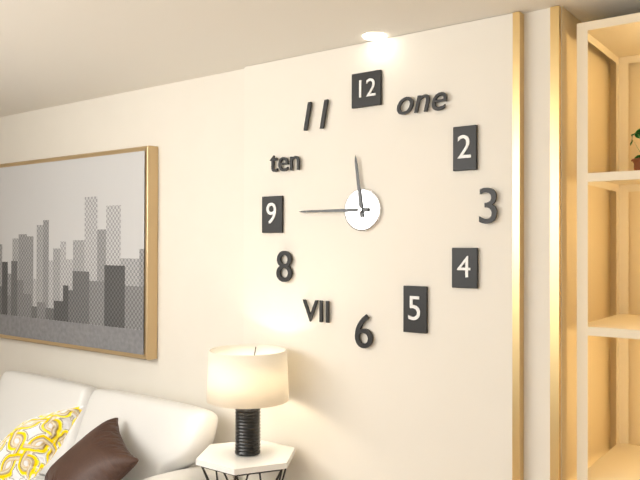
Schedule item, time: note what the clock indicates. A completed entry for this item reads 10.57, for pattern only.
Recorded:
11.45
